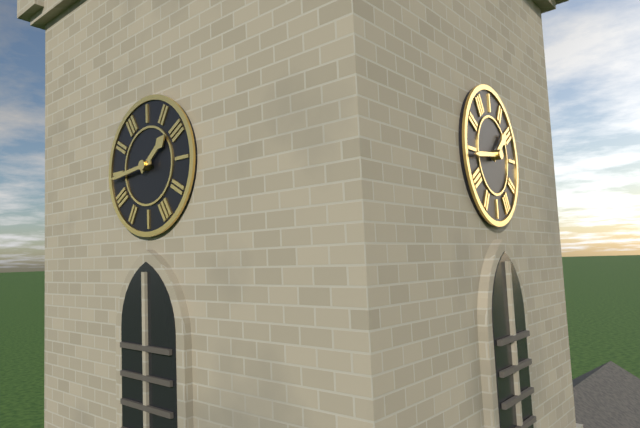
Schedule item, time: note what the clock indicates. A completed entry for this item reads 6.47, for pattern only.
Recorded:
1.44
